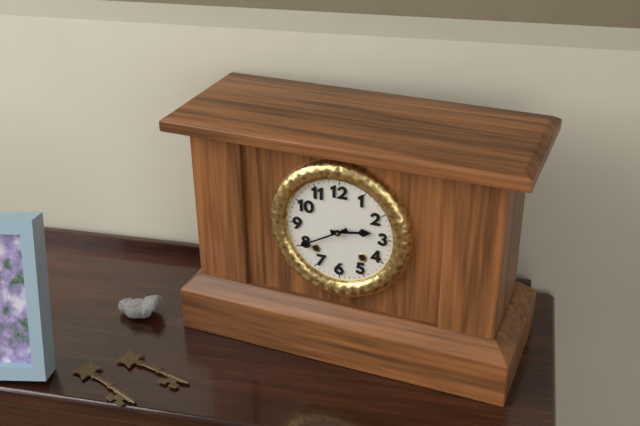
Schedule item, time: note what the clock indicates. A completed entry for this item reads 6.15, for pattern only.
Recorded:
2.40
